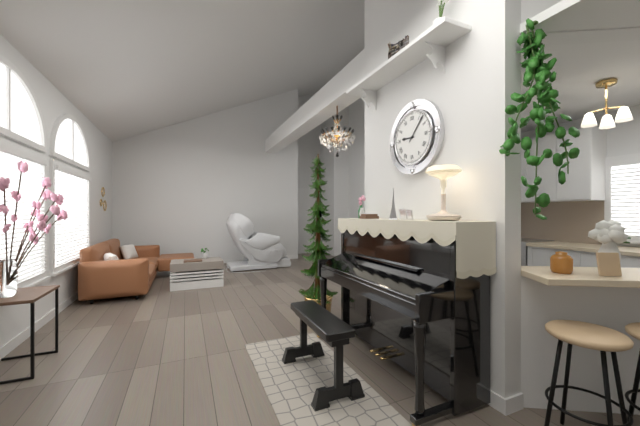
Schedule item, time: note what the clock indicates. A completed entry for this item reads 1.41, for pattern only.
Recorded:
9.07
